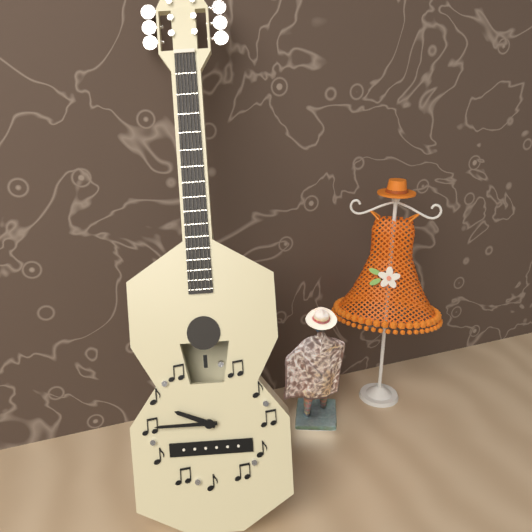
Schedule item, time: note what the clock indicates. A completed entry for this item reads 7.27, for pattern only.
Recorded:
9.45
